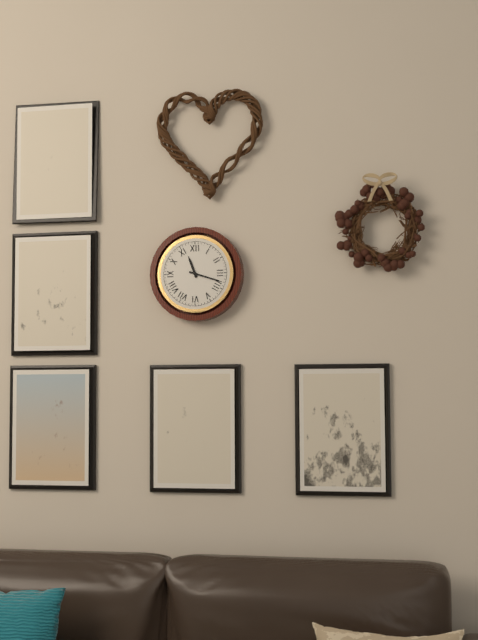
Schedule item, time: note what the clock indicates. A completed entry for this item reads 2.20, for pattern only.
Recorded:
11.18
